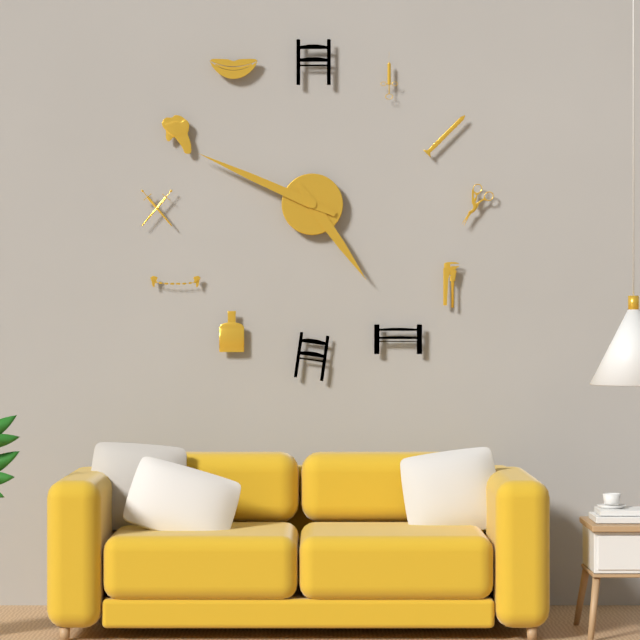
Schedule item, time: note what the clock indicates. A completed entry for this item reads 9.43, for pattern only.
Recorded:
4.49
